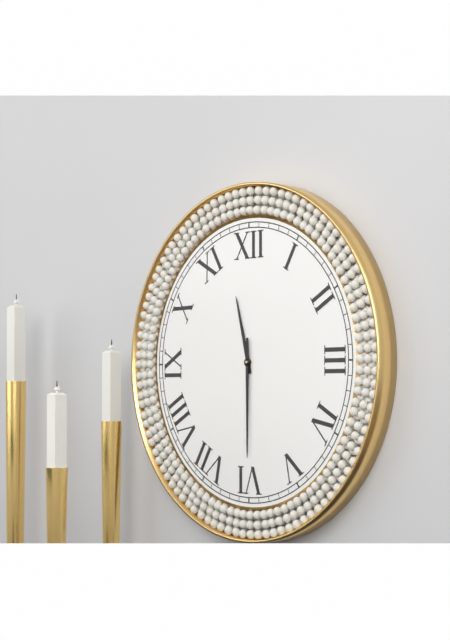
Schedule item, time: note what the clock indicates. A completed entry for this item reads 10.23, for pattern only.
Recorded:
11.30
